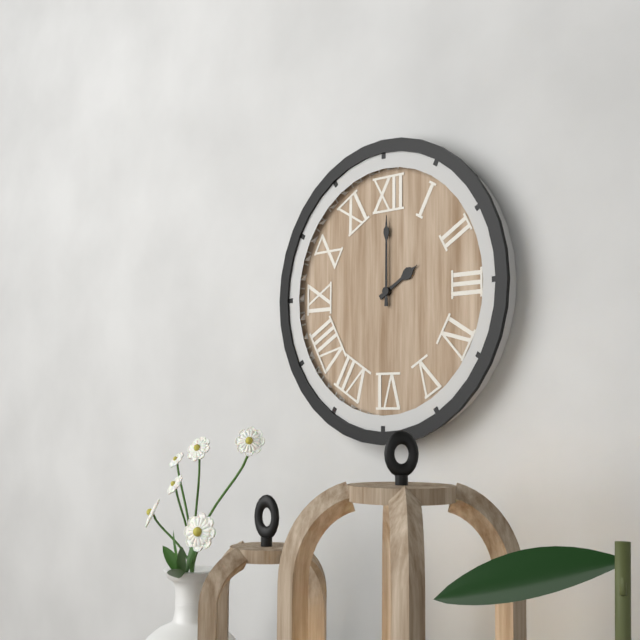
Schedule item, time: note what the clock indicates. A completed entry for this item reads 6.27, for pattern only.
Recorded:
2.00
